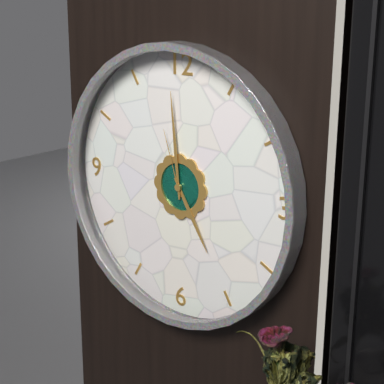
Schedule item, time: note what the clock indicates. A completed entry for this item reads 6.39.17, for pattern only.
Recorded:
4.59.57
